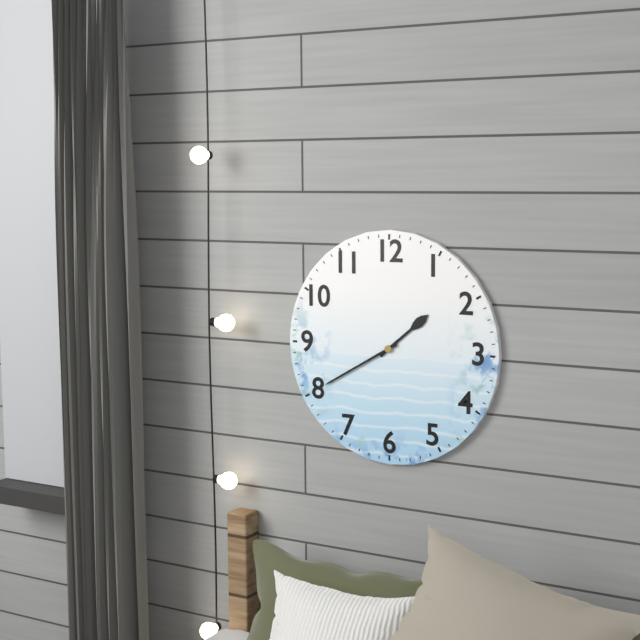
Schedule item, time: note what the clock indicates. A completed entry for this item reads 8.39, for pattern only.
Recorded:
1.40
